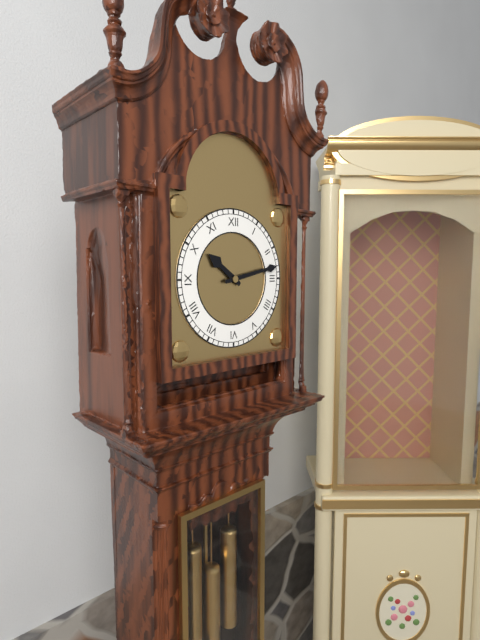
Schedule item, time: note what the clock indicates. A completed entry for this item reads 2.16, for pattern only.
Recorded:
10.13
